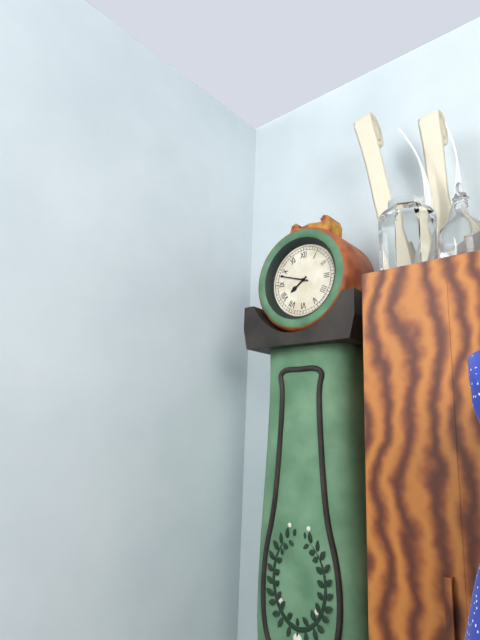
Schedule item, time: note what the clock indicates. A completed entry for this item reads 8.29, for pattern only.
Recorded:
7.48
